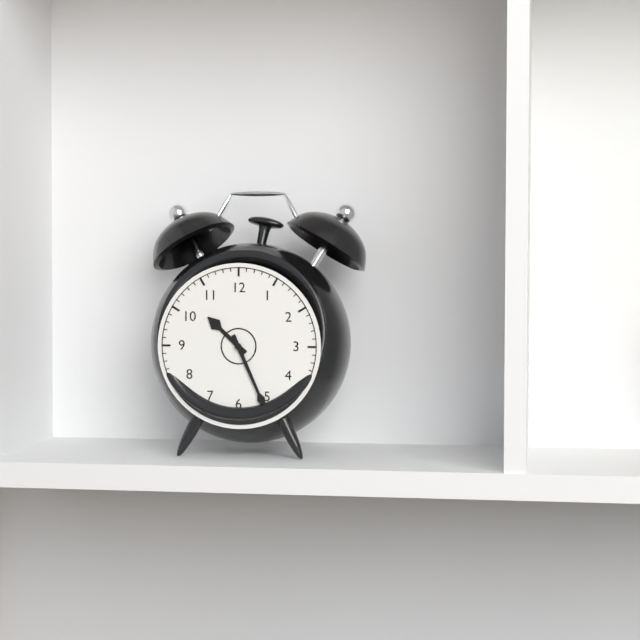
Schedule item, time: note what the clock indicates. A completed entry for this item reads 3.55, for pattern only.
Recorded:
10.26
